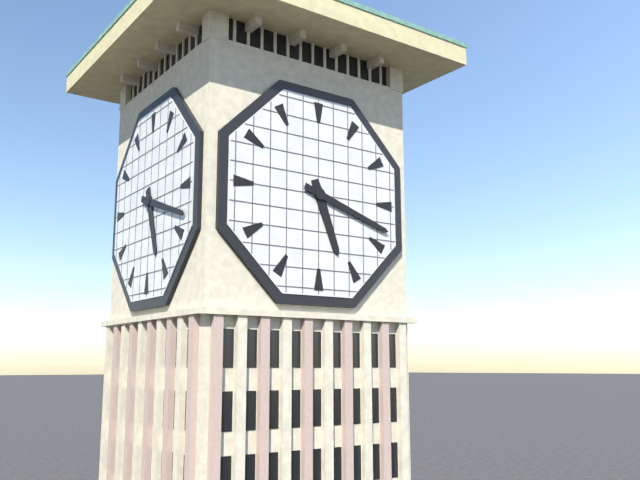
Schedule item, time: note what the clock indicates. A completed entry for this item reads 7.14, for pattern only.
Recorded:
5.18
